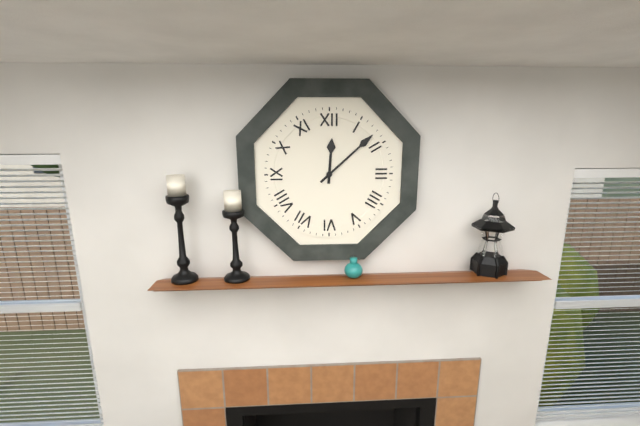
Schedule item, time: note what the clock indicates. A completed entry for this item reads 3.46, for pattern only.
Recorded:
12.08
